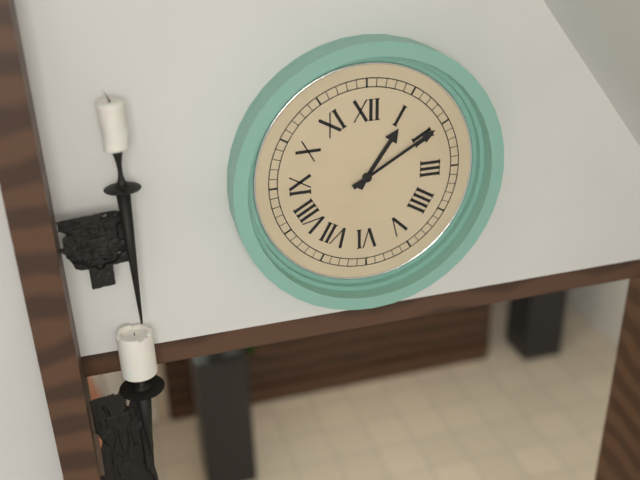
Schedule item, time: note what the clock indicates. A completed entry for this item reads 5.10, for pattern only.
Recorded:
1.10
